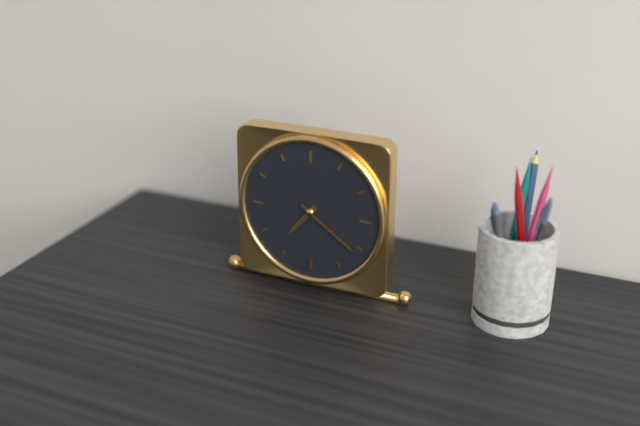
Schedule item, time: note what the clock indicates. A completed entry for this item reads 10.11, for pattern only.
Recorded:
7.21
